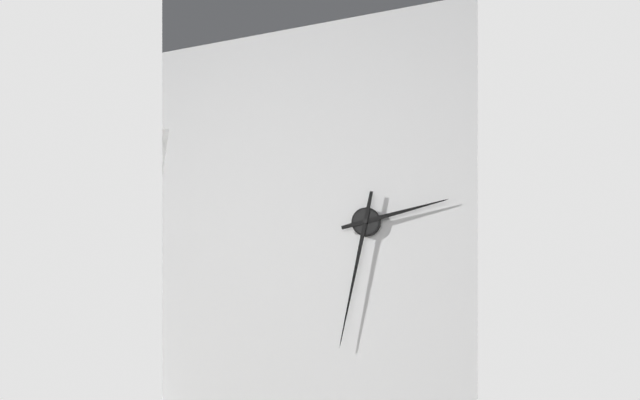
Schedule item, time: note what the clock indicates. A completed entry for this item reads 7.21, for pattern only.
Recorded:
2.32
